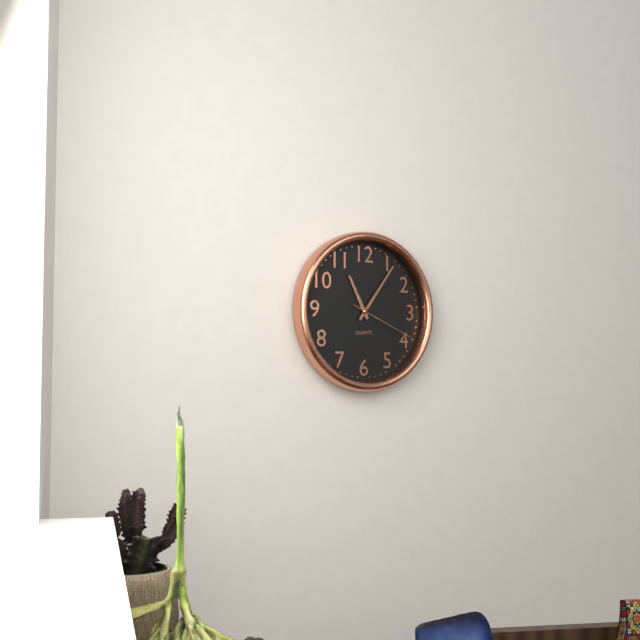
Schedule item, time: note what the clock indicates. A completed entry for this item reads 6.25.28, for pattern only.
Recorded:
11.06.19
